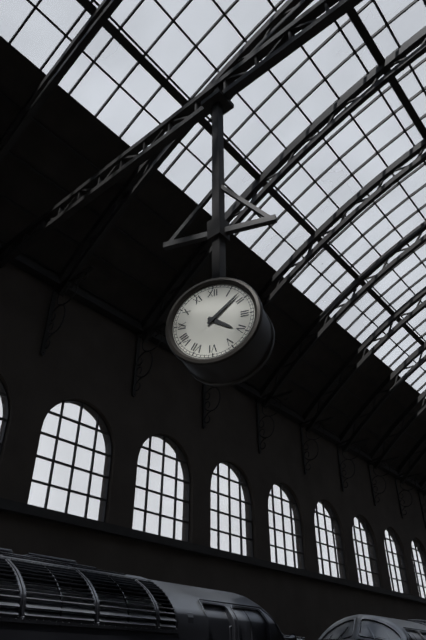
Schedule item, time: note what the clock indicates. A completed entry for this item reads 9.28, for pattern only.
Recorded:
4.08
